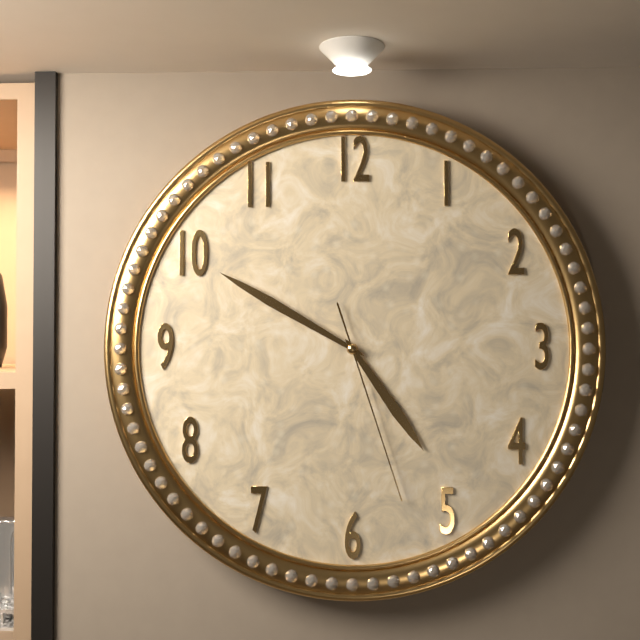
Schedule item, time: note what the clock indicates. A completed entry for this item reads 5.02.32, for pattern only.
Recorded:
4.50.27
